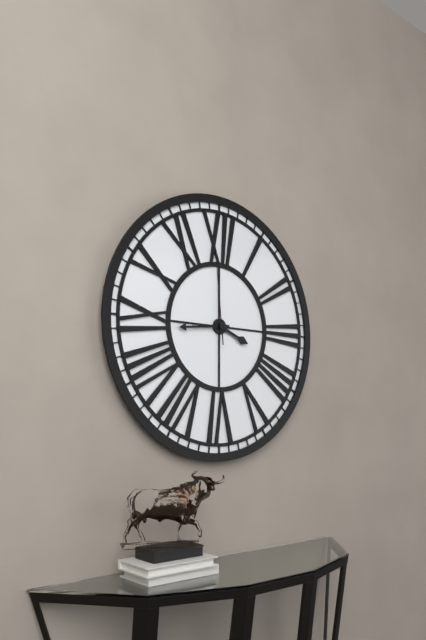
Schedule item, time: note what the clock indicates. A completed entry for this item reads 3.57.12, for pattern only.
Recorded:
3.44.59
